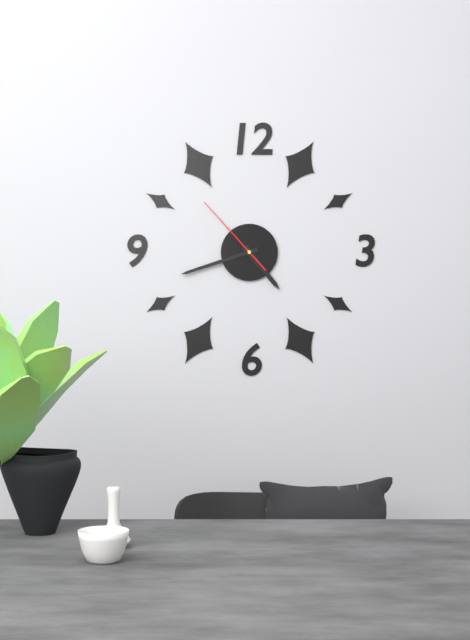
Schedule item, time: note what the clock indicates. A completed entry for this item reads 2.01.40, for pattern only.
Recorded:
4.42.53
